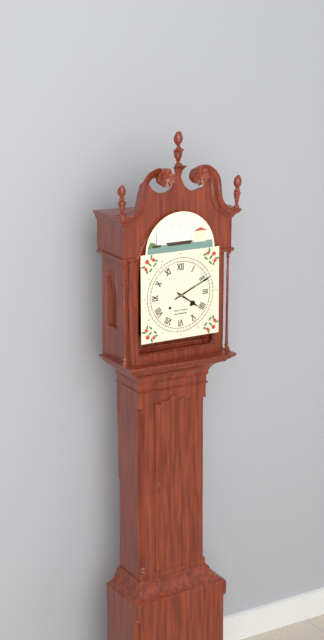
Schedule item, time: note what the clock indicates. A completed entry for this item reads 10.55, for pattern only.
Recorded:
4.11
